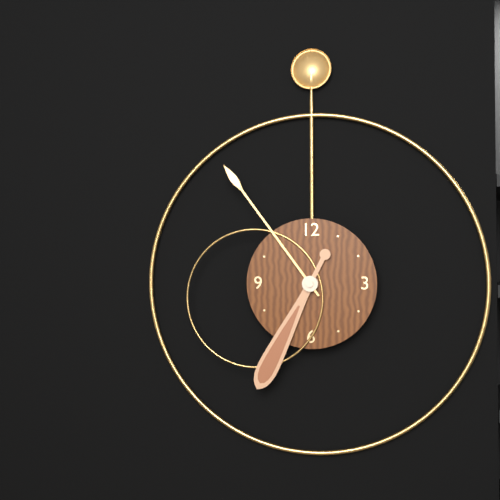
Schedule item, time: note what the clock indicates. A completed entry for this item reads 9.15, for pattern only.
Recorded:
6.54
